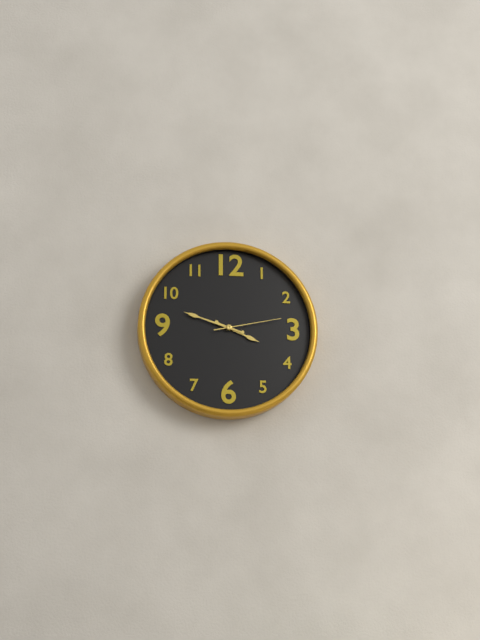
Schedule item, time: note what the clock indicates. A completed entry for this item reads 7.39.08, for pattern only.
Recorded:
3.48.13
